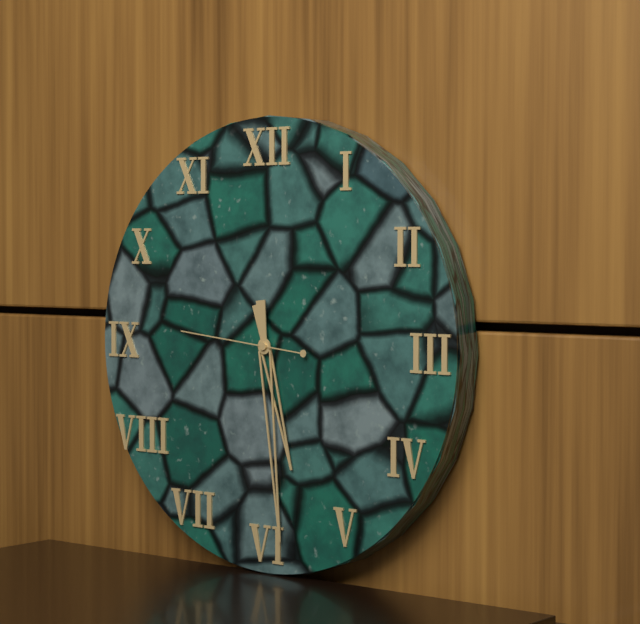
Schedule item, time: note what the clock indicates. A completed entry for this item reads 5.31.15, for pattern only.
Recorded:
5.29.46
